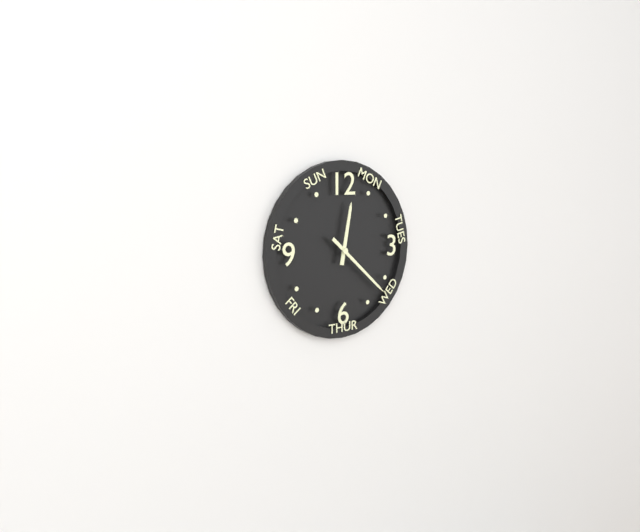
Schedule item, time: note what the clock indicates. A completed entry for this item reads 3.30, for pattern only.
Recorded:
12.22
